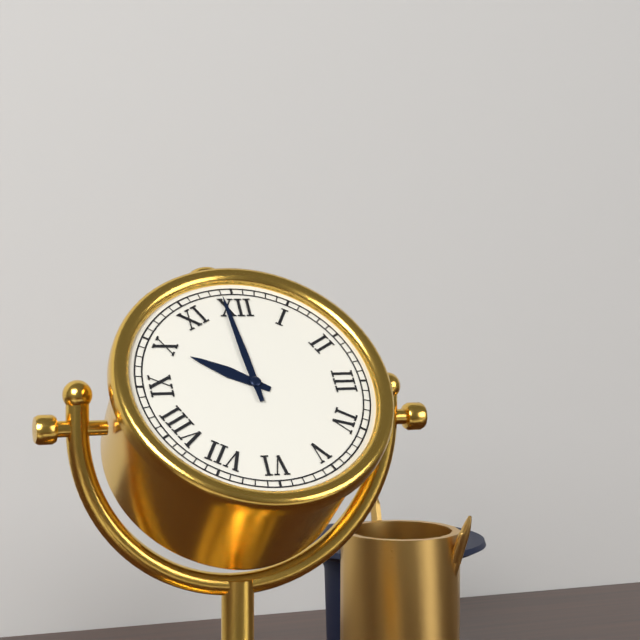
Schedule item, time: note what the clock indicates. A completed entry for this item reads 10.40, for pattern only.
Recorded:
9.59
